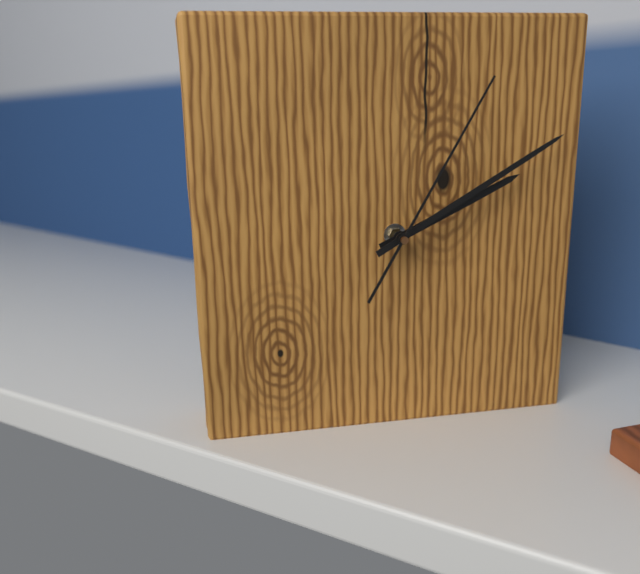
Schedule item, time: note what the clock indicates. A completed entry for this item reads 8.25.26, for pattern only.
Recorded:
2.10.05
